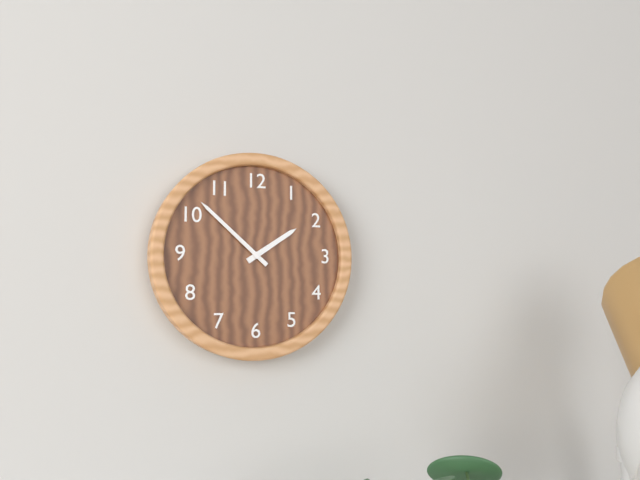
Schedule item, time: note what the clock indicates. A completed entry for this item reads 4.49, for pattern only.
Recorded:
1.52
